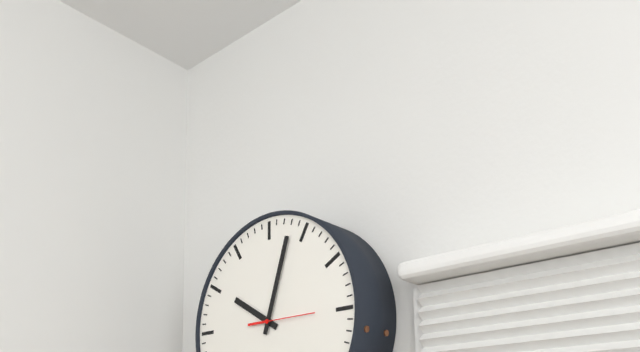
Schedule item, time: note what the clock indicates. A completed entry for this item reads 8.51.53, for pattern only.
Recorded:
10.03.15
